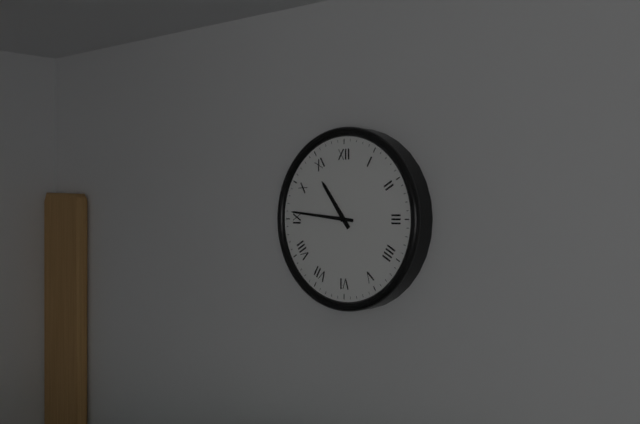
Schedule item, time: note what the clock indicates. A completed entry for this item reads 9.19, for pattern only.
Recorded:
10.46
